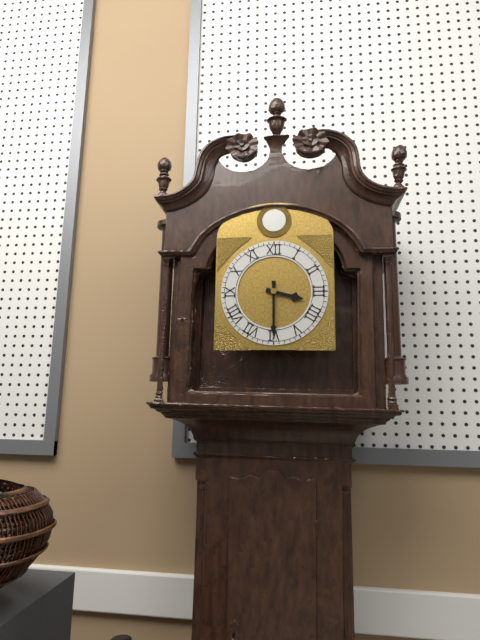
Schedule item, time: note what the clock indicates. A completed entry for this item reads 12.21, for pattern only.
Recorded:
3.30
